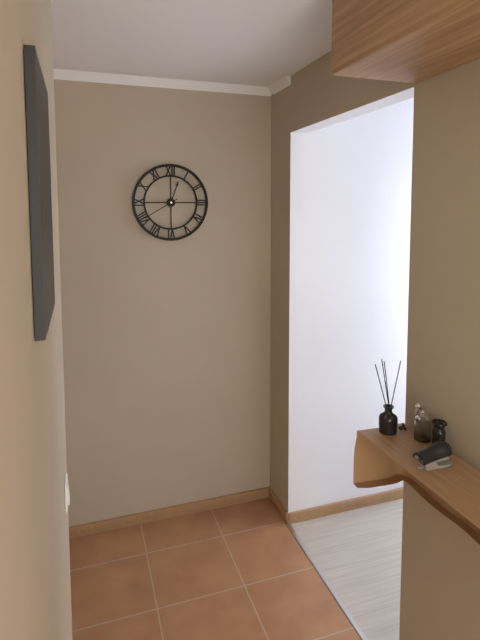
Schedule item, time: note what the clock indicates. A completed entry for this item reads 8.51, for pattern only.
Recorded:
12.40
